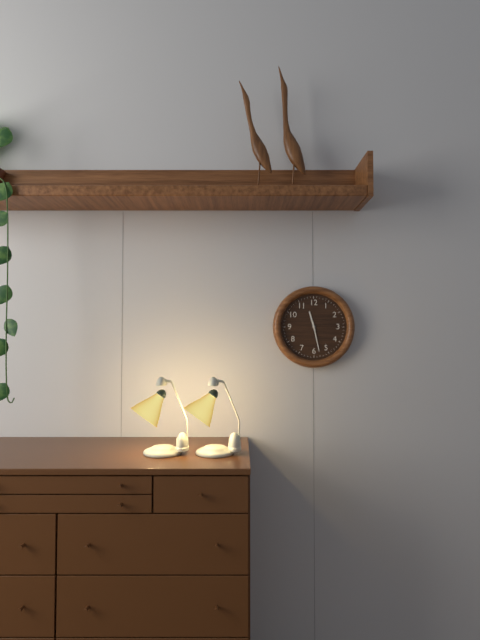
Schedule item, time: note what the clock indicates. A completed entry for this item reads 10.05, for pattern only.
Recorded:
11.28
